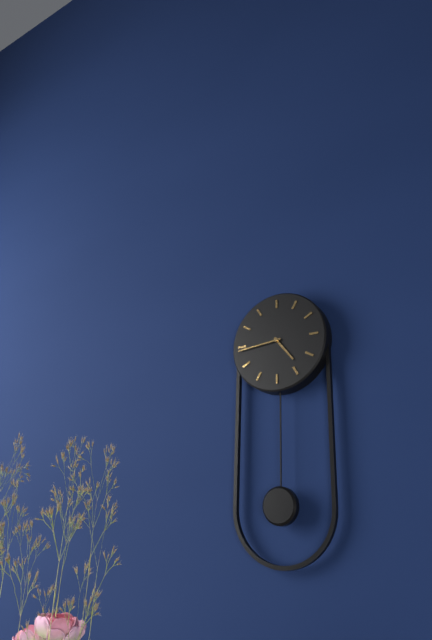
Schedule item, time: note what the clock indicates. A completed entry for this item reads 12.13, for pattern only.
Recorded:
4.44
